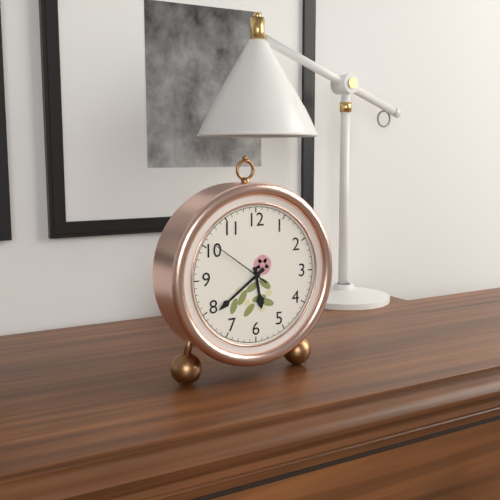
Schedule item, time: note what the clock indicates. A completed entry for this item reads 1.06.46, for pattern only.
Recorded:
5.39.51
